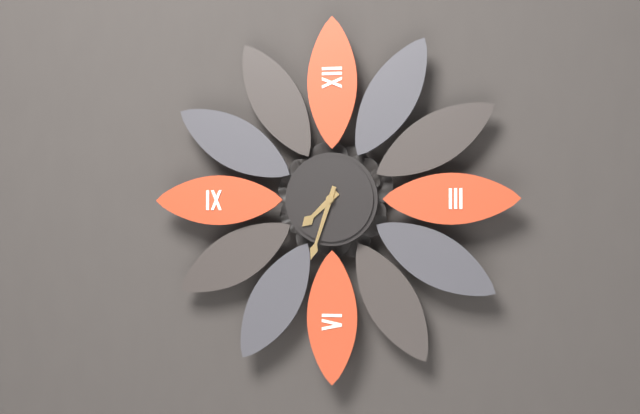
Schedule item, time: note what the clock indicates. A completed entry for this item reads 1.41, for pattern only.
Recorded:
7.33
